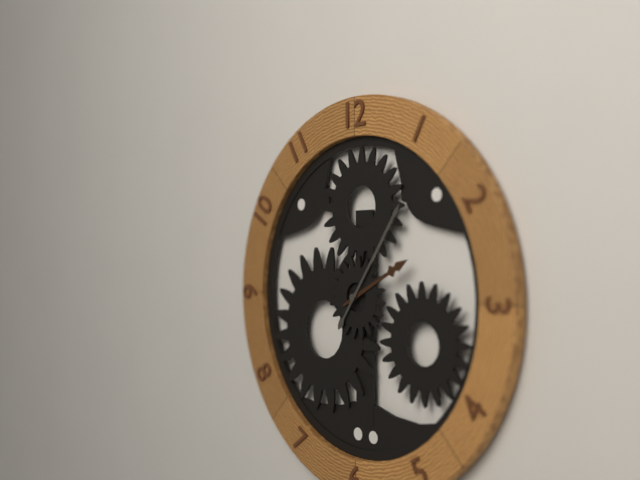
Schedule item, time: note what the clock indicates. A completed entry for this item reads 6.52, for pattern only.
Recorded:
2.06
